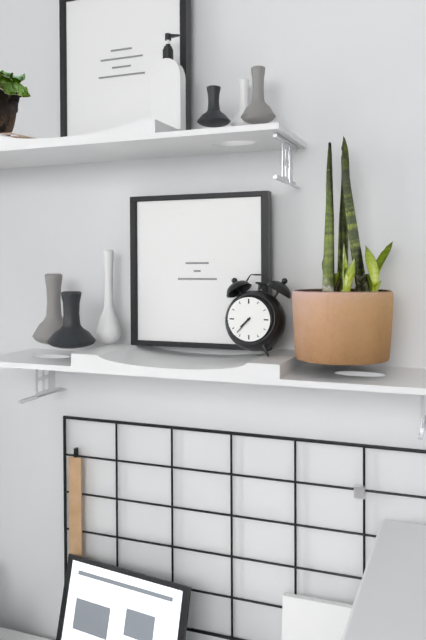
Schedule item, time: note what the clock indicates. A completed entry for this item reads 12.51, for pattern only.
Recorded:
7.37
